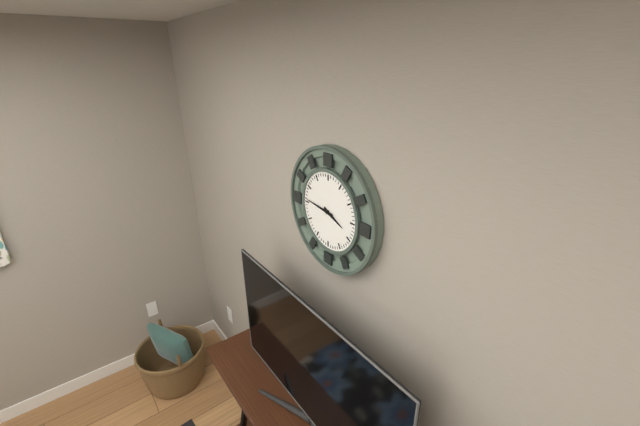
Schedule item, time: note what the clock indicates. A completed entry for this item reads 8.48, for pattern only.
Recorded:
3.46
